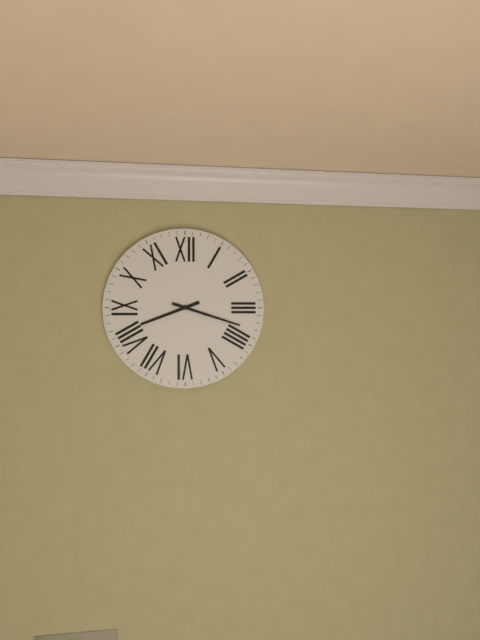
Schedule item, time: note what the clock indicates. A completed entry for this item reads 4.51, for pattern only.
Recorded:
8.18
